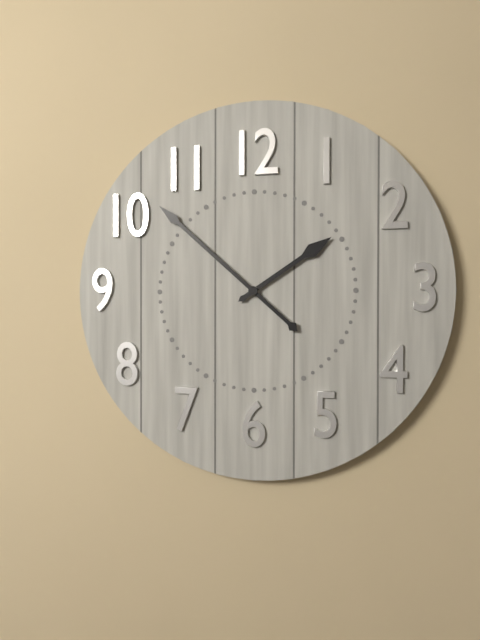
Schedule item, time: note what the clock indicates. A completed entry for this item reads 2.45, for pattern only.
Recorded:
1.52
